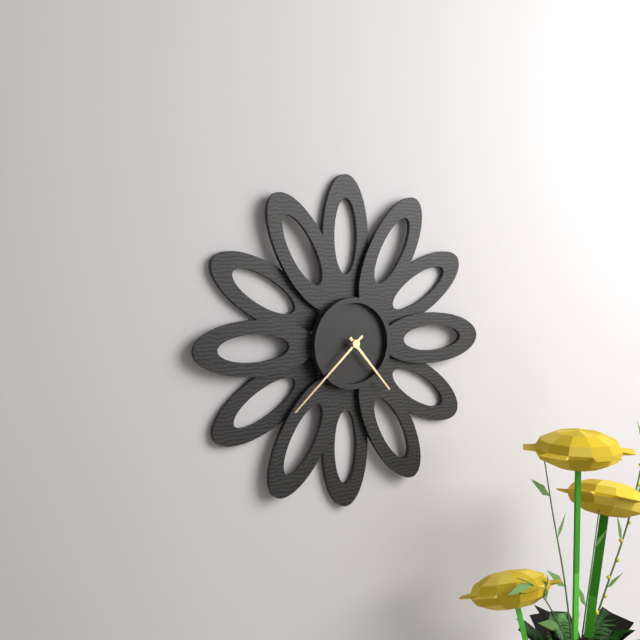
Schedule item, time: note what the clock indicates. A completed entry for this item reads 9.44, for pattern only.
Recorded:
4.38
